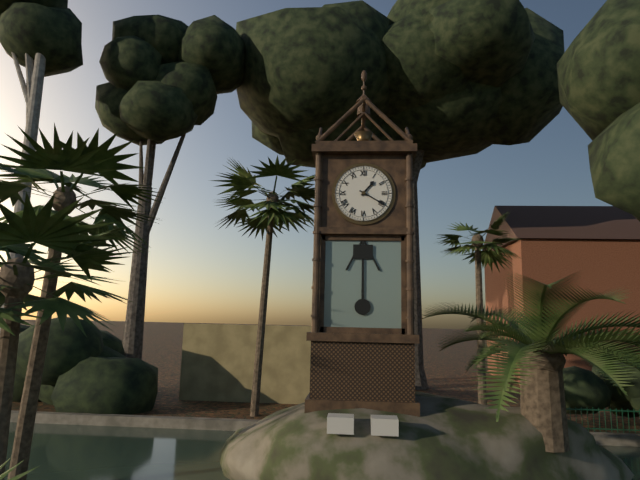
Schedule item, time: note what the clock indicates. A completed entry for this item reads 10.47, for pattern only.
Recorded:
1.20
